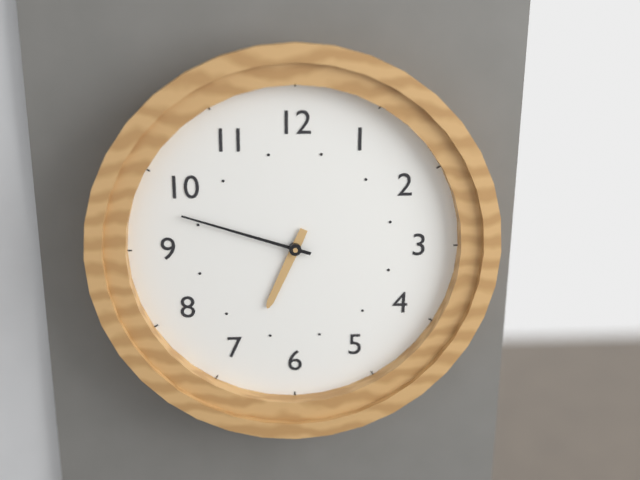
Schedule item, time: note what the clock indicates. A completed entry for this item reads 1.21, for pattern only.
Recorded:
6.48
